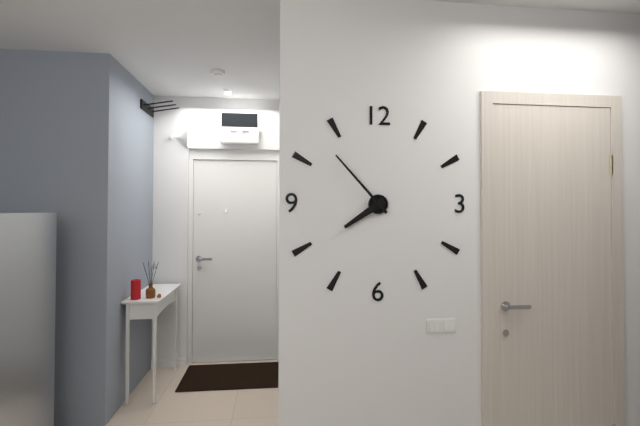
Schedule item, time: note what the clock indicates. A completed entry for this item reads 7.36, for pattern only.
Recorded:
7.53
